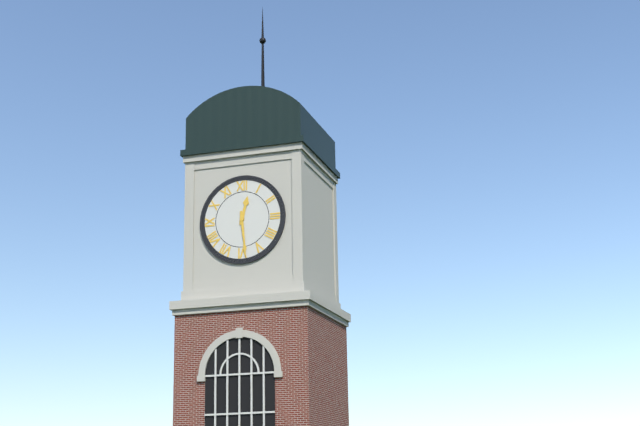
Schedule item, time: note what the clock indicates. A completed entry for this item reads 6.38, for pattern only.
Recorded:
12.29
